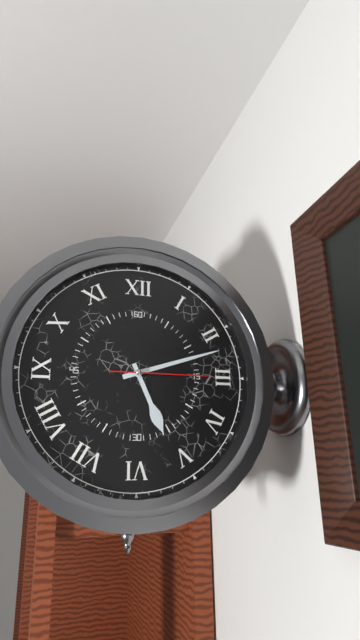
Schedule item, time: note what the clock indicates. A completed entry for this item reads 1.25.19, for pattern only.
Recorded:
5.12.15
